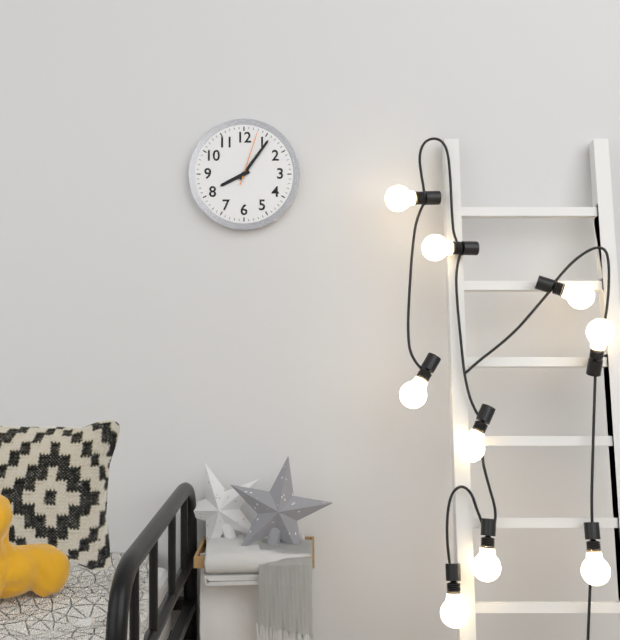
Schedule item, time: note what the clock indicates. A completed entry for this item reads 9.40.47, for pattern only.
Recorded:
8.06.03
